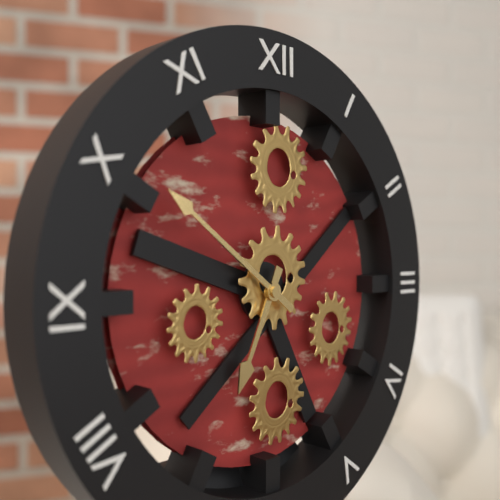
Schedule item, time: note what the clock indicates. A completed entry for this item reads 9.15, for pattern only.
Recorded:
6.51
